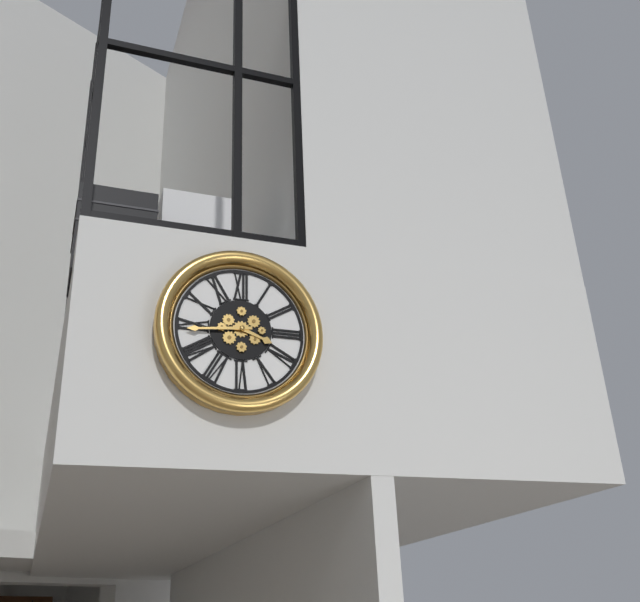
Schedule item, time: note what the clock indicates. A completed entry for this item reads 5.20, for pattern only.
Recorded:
3.44
